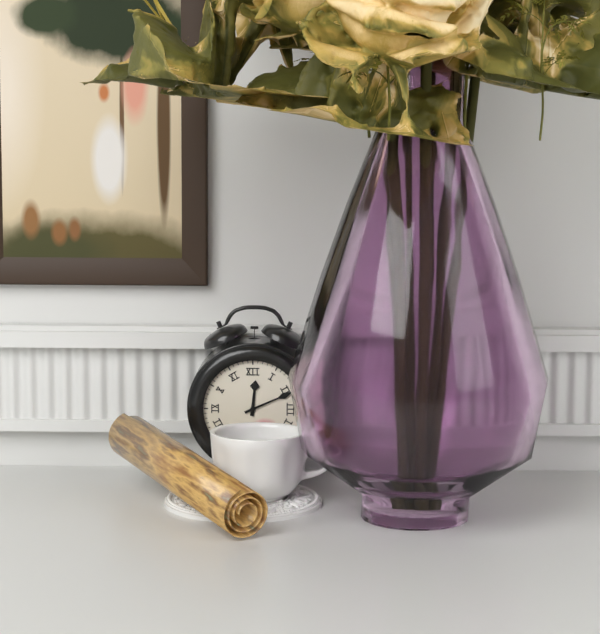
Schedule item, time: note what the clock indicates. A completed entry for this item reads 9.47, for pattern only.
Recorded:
12.11
